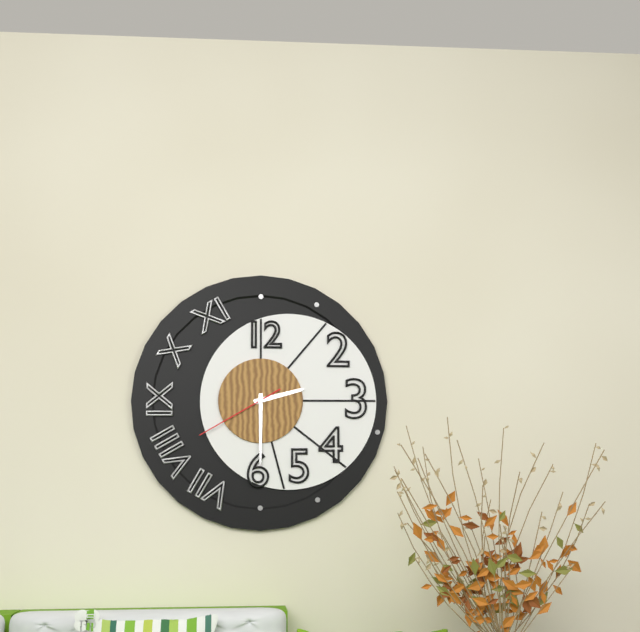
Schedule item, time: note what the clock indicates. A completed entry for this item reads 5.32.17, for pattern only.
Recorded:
2.30.40
